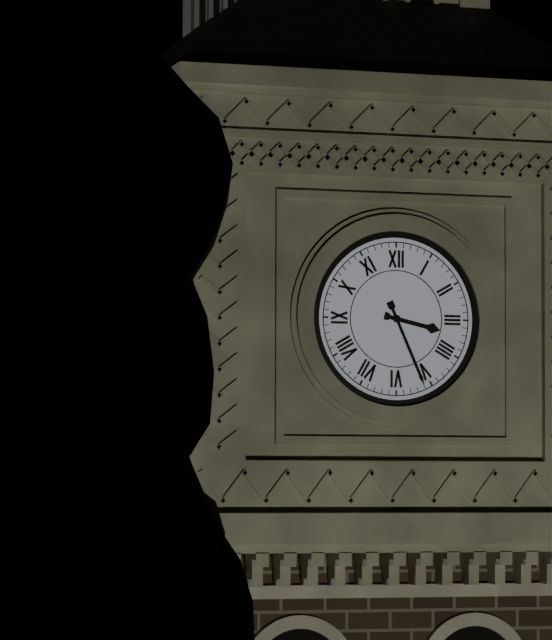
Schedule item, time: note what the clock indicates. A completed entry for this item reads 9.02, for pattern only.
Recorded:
3.26
